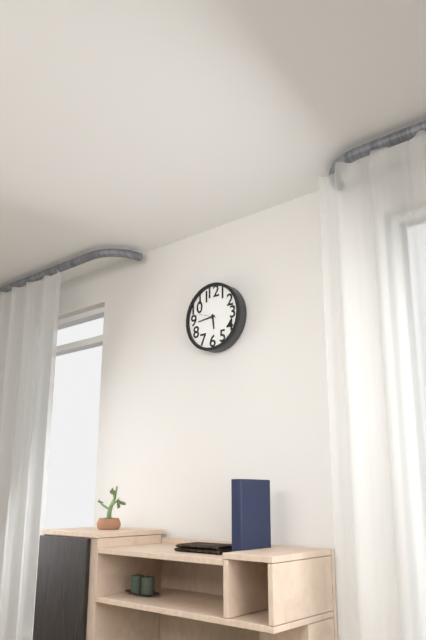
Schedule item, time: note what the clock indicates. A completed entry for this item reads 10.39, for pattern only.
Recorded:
5.44
